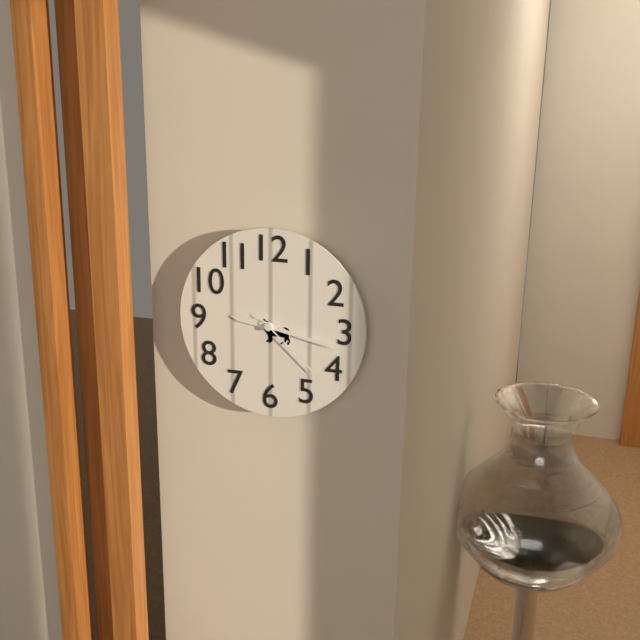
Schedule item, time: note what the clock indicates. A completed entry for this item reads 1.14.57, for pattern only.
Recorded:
9.17.22
